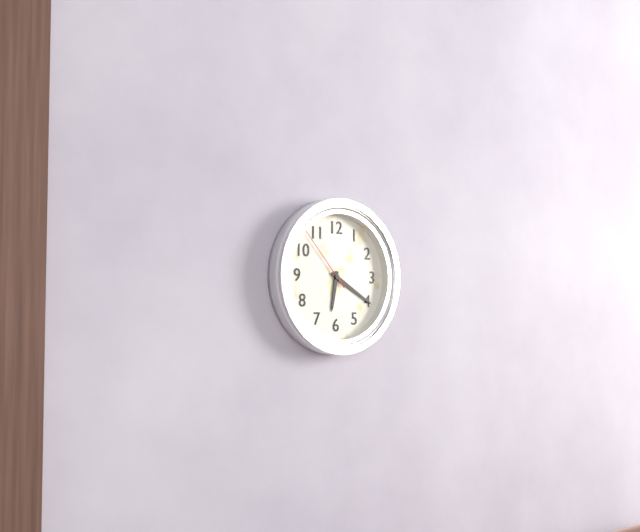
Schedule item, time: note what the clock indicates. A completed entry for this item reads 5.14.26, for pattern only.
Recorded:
6.20.53
